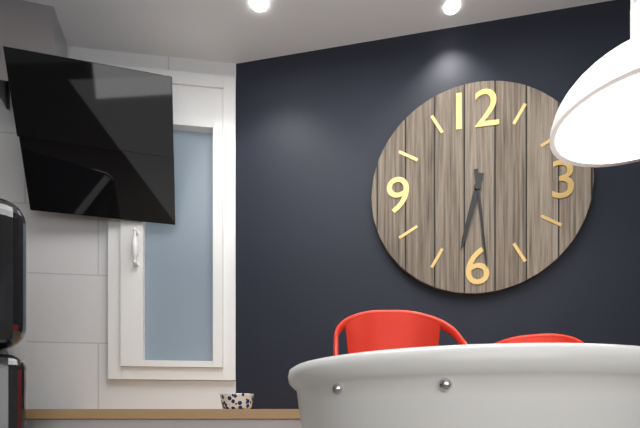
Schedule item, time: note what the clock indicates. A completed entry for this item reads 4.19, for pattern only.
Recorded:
6.29
